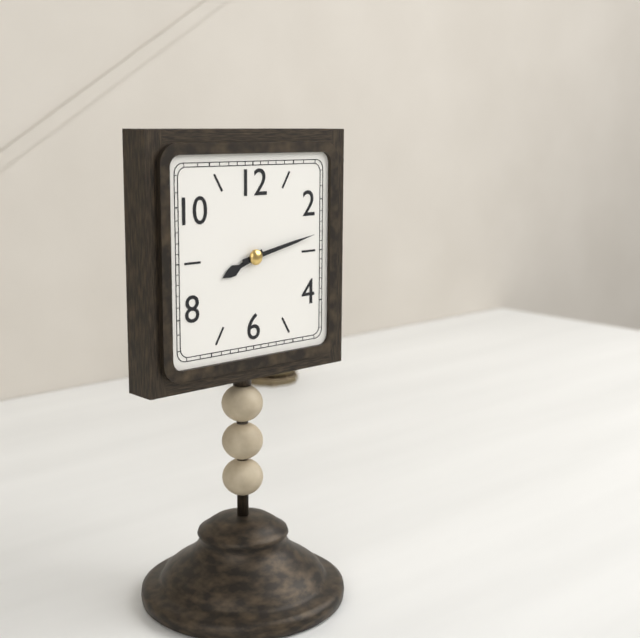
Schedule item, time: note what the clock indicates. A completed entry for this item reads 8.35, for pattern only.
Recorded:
8.13
